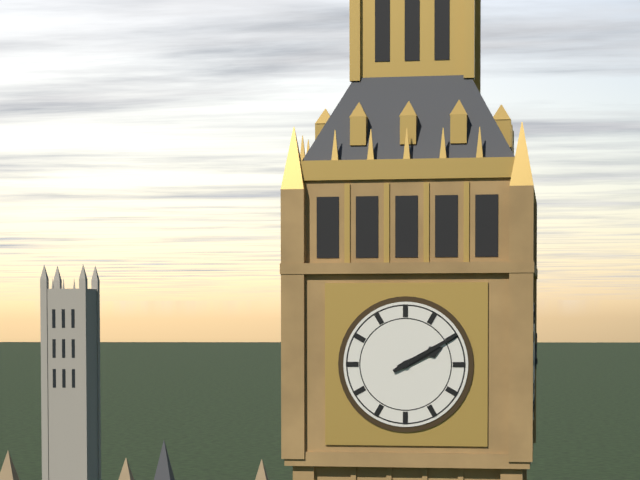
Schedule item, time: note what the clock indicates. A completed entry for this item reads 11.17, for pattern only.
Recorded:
2.10
